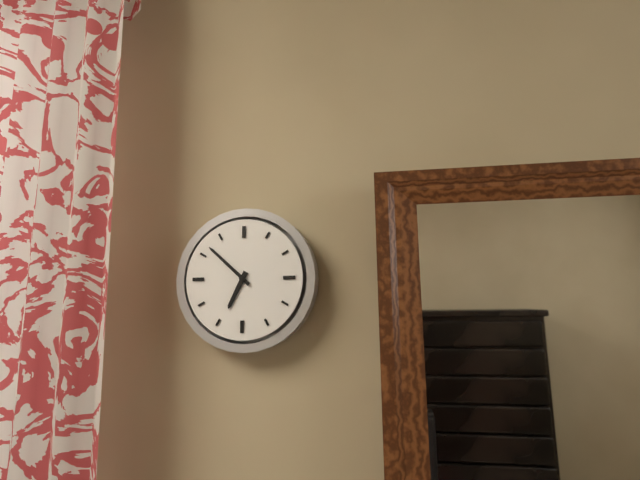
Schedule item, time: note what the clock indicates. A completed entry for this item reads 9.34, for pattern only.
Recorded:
6.52
